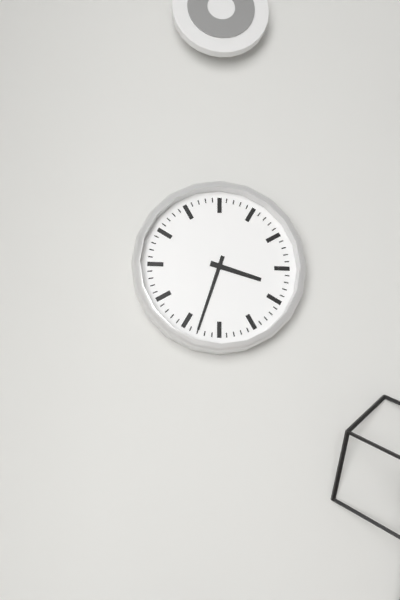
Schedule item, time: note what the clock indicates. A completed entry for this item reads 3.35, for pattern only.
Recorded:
3.33
